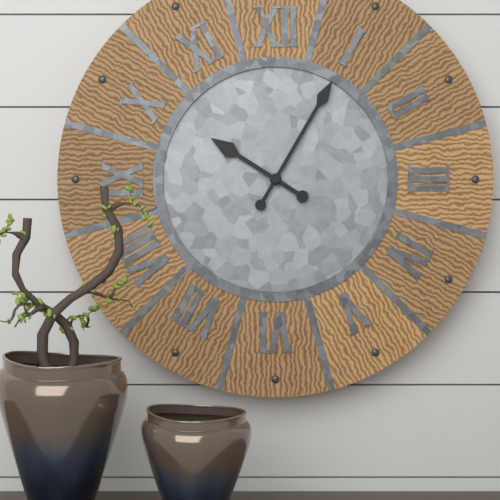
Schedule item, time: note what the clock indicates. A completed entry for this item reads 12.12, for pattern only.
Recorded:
10.05
